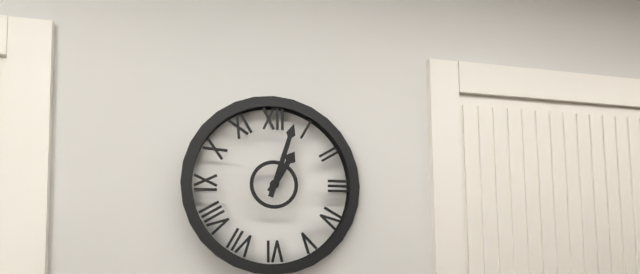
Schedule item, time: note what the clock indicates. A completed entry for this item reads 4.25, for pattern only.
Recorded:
1.03
